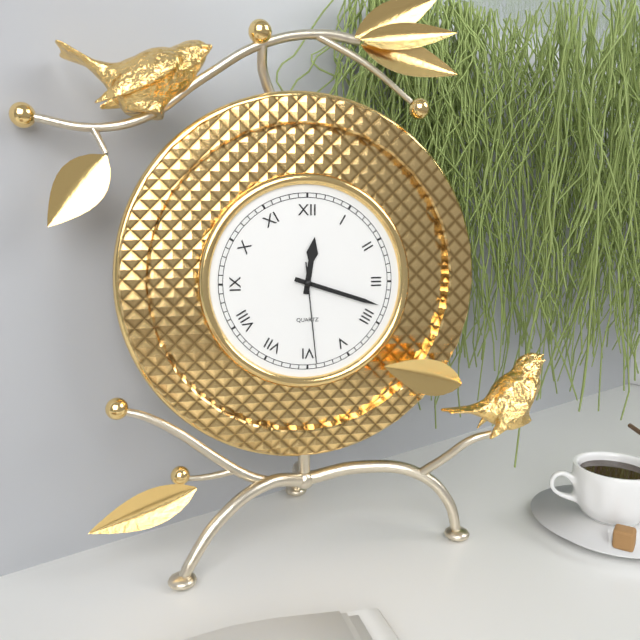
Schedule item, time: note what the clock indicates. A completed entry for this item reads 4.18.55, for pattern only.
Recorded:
12.18.29
